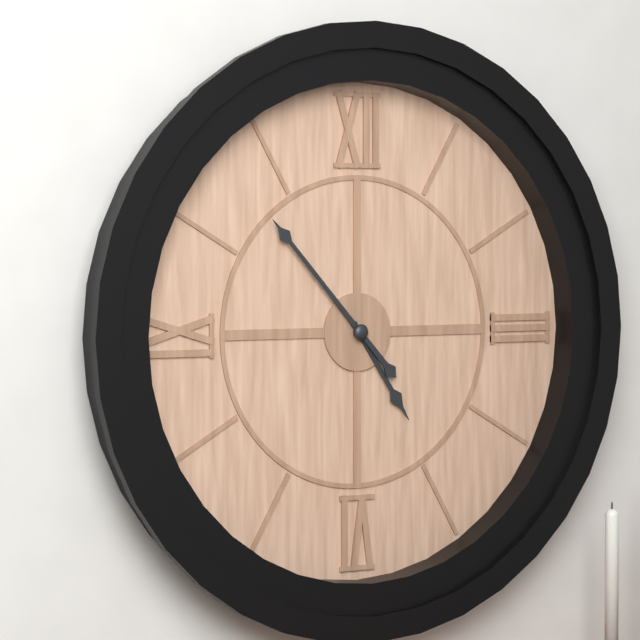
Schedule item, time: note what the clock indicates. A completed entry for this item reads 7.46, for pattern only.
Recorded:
4.53
